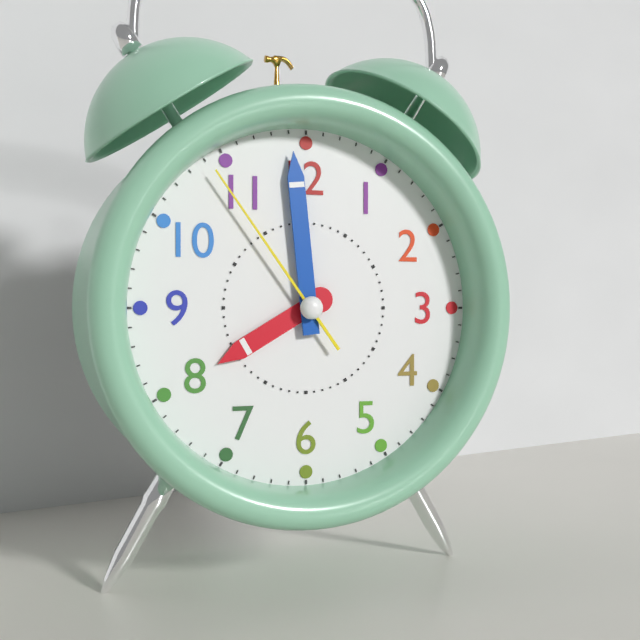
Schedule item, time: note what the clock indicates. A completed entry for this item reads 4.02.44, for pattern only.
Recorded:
7.59.54
